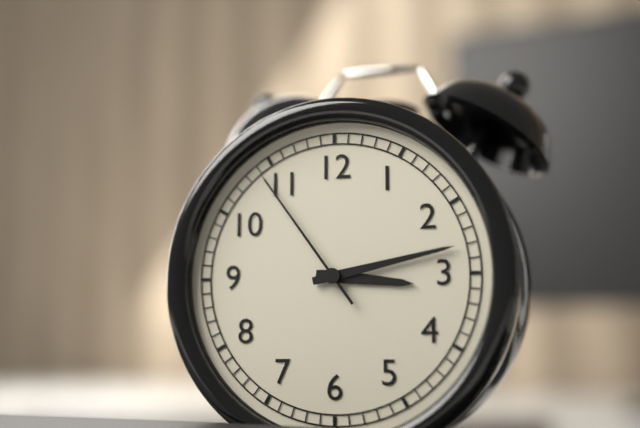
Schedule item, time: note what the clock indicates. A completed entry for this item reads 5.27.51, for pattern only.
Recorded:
3.13.54
